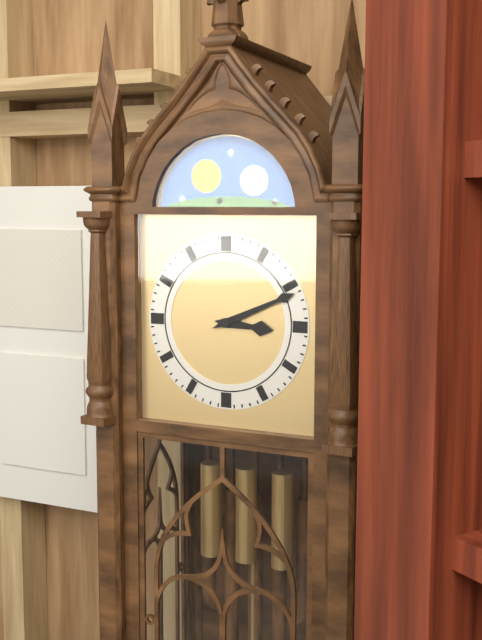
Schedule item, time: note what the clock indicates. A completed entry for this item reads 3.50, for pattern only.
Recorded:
3.11
